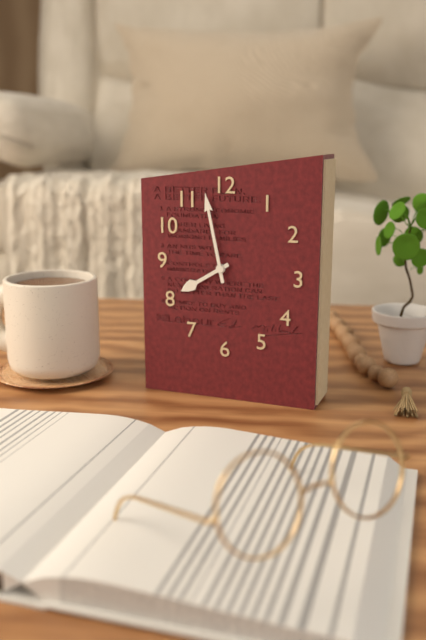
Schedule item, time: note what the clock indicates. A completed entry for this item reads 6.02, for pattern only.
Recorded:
7.58
